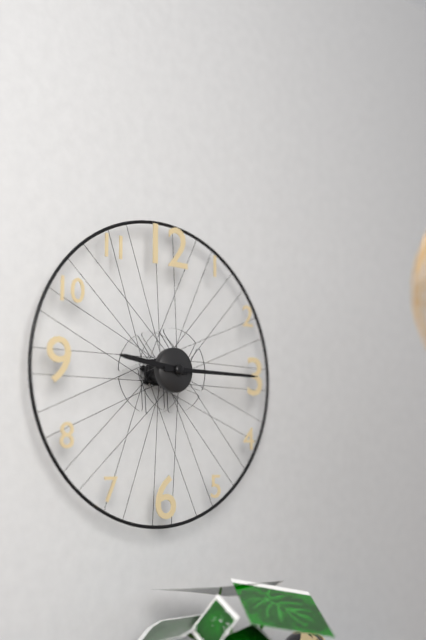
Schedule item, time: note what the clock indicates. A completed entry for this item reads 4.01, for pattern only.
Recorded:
9.15
